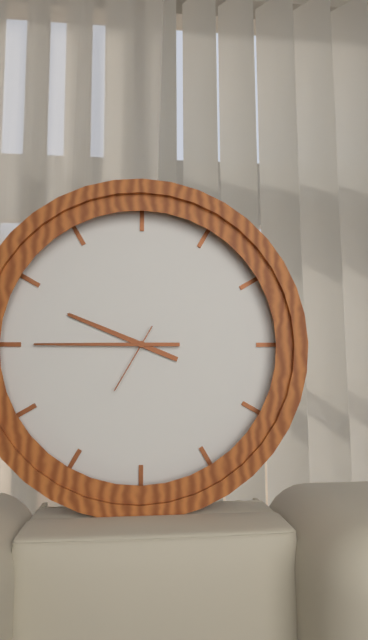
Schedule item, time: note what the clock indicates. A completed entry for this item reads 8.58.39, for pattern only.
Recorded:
9.45.35
